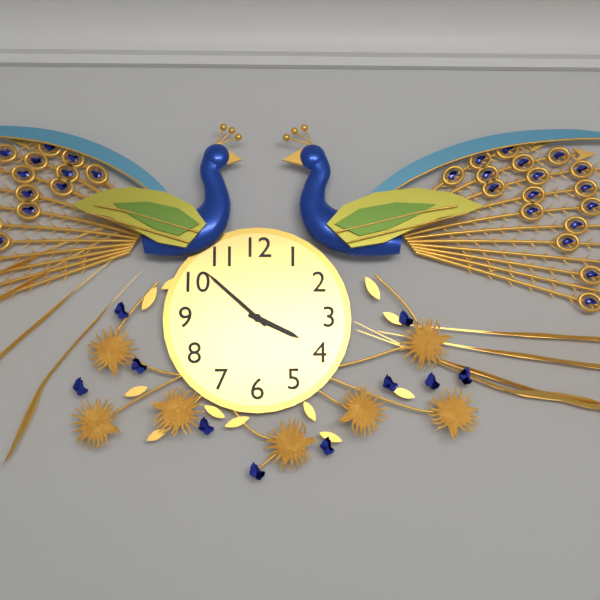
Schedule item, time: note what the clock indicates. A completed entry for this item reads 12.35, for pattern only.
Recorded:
3.52
